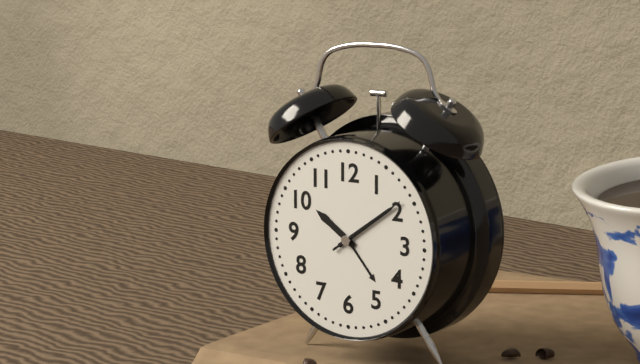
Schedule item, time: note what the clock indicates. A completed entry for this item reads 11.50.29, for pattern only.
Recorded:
10.09.09
